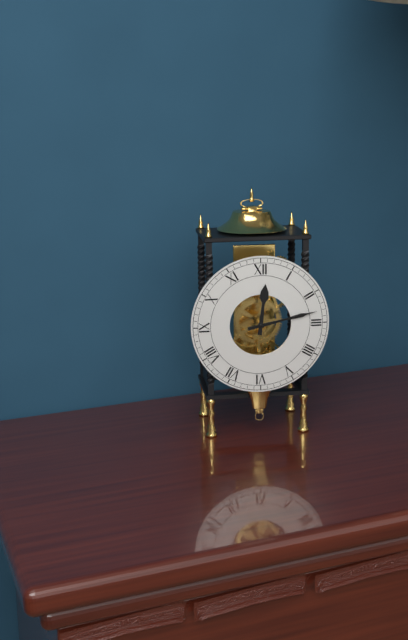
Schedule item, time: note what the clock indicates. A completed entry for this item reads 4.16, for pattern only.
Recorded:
12.13
